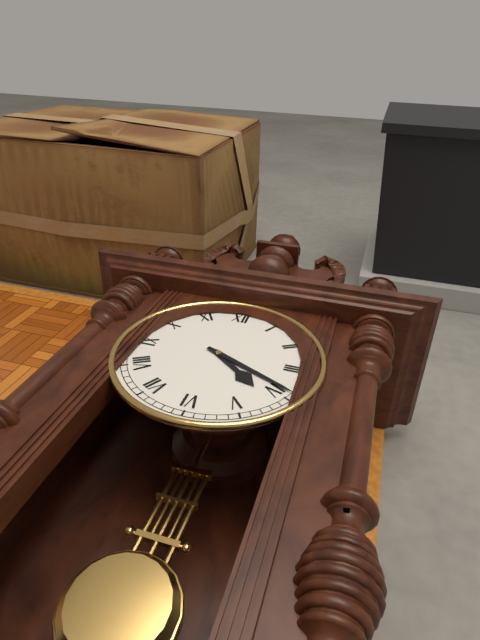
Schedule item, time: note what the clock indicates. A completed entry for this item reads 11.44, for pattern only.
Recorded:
4.19
